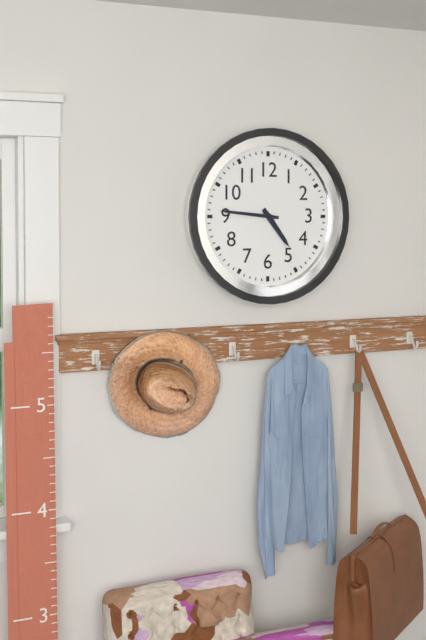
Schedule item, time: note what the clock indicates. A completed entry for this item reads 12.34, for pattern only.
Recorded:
4.46
